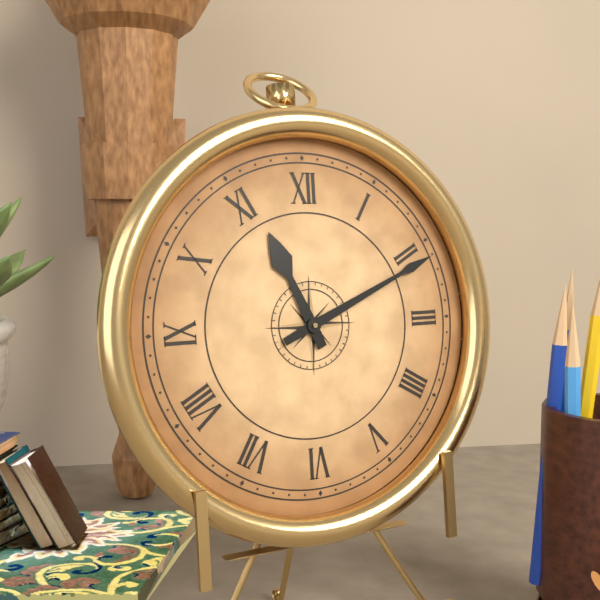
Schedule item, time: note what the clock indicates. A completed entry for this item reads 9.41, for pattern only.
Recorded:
11.11
